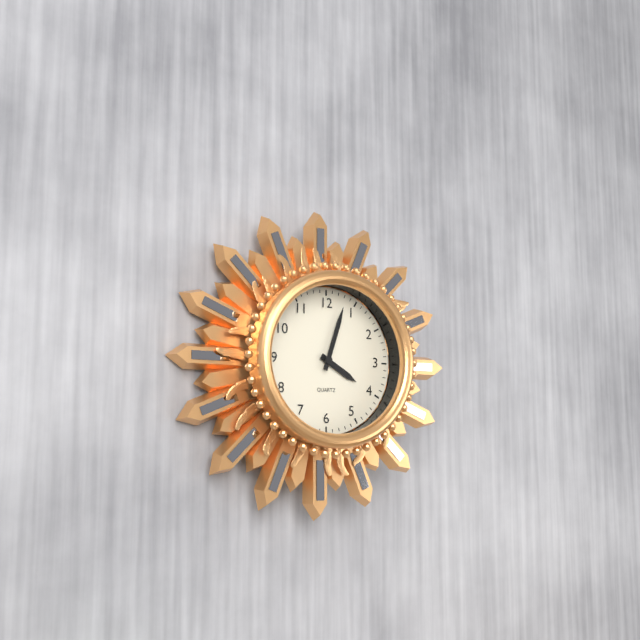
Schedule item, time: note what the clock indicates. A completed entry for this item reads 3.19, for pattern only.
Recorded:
4.03
